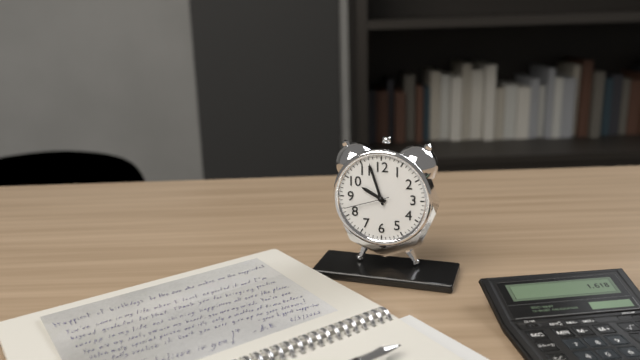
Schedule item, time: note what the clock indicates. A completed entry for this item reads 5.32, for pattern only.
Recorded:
9.57
